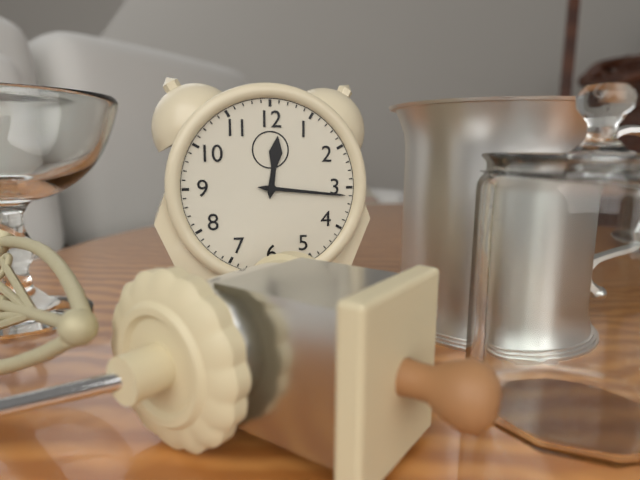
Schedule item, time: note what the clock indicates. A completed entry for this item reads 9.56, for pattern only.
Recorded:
12.16
